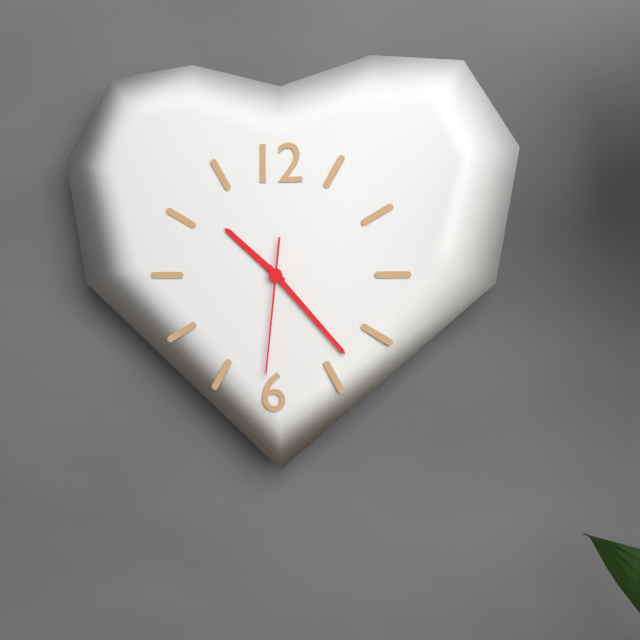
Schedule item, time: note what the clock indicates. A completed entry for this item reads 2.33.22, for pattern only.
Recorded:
10.23.31
